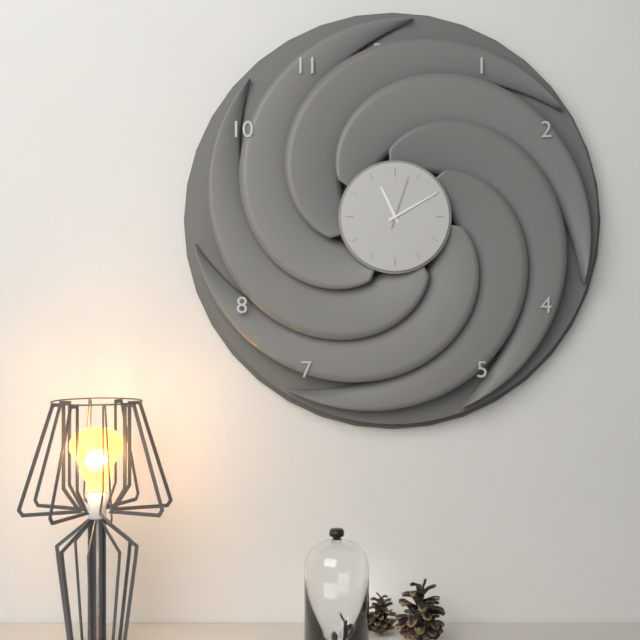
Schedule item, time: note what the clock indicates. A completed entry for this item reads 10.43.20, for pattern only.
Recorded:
11.10.03
